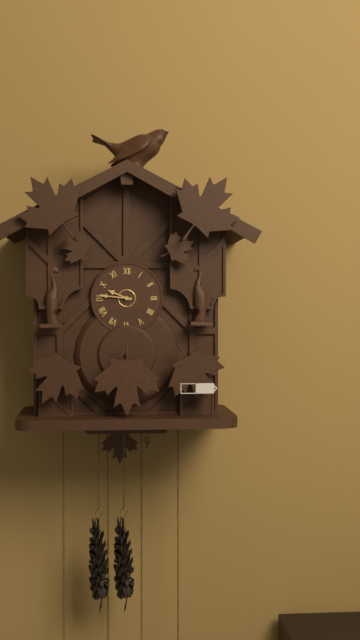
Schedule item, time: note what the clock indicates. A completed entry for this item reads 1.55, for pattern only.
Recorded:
9.46
